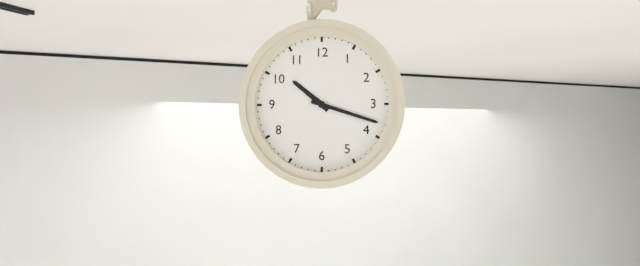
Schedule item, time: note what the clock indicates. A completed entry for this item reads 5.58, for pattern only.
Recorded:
10.18
